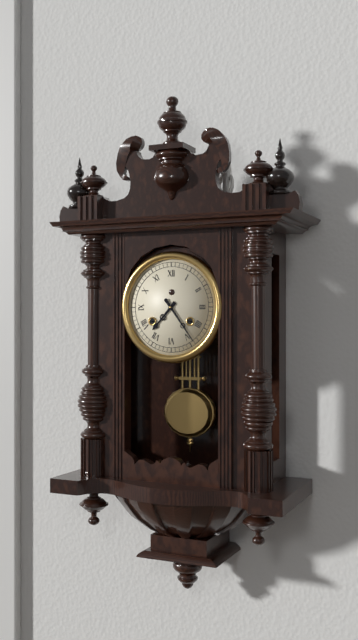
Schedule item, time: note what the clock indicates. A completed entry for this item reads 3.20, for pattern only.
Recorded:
7.24
